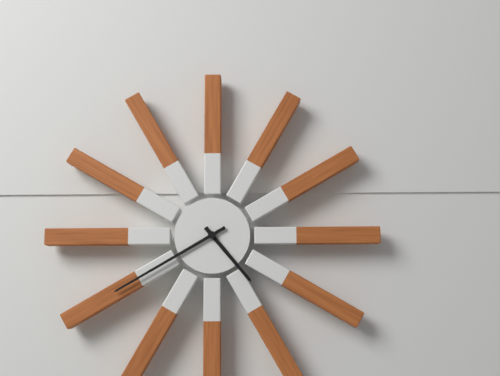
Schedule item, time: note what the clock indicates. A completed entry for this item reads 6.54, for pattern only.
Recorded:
4.40
